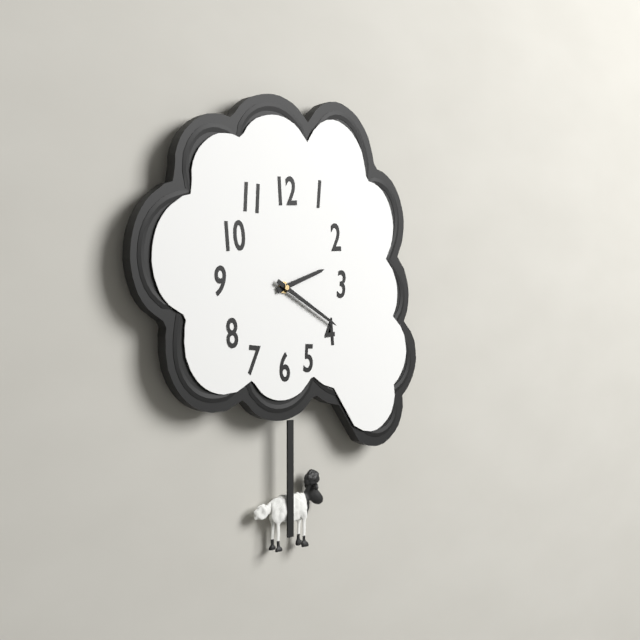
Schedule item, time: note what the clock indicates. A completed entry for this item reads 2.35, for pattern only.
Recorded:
2.20
